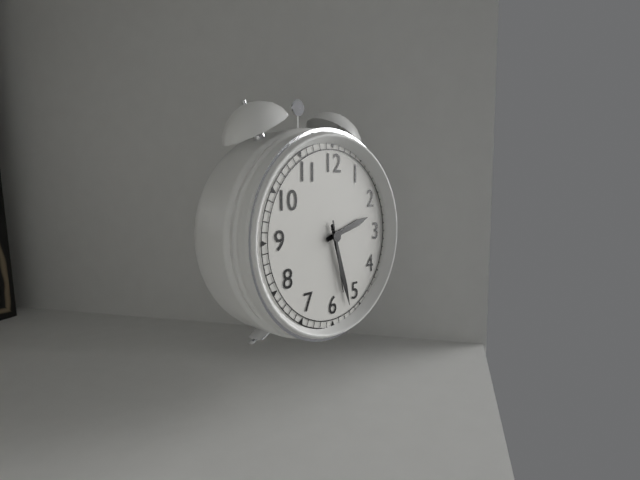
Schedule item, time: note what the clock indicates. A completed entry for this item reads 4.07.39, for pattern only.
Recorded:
2.27.28
